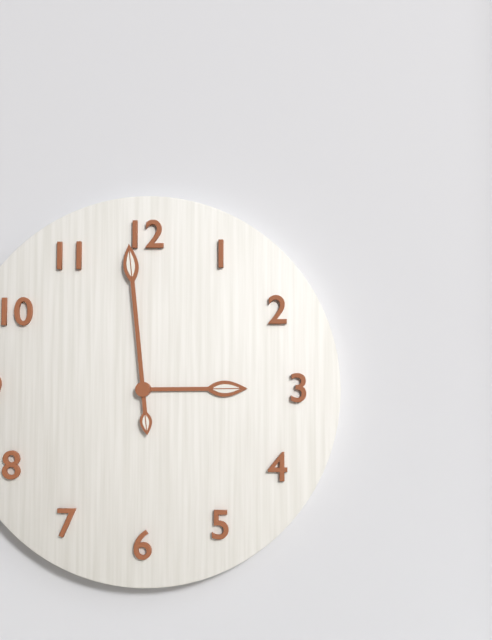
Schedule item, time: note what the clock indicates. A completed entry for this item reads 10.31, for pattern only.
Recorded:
2.59
